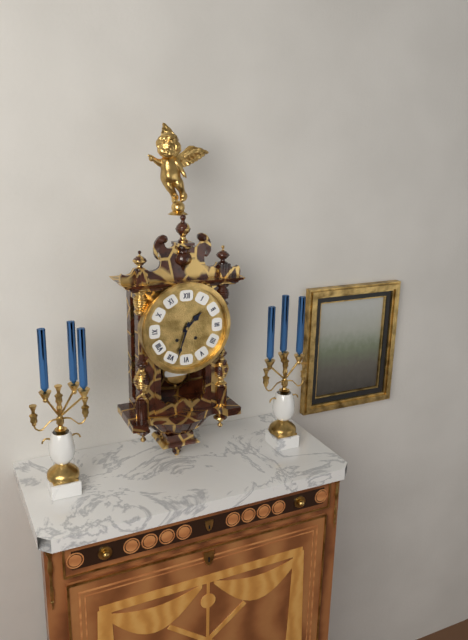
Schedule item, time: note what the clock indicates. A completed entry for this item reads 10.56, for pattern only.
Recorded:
1.33
